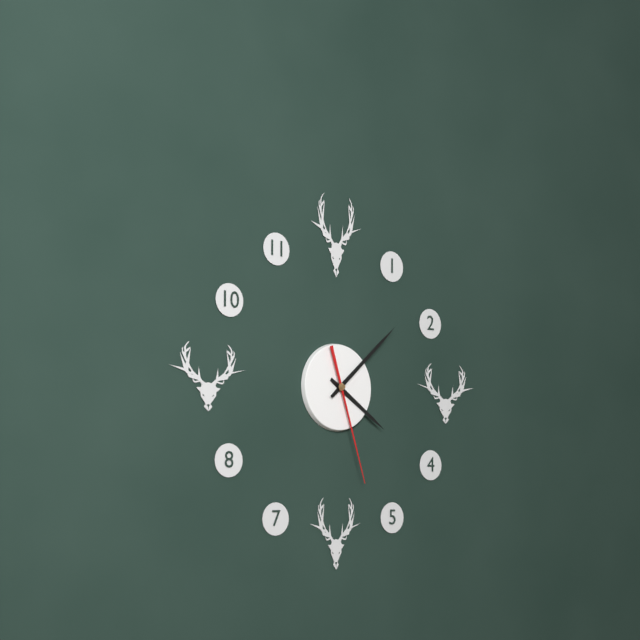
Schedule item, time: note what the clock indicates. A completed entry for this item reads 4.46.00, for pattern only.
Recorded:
4.08.27
